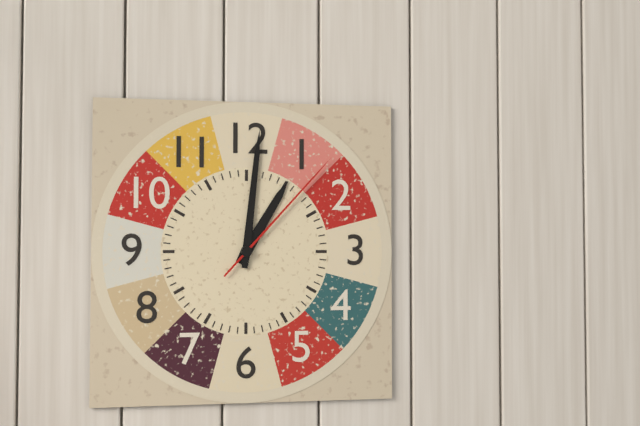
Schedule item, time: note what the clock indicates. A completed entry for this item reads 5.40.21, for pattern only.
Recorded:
1.01.07
